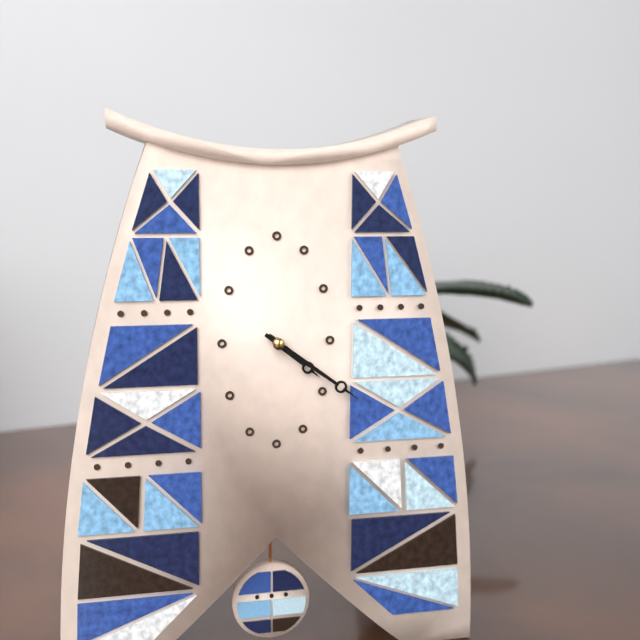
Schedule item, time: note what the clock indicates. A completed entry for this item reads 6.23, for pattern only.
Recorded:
4.21
